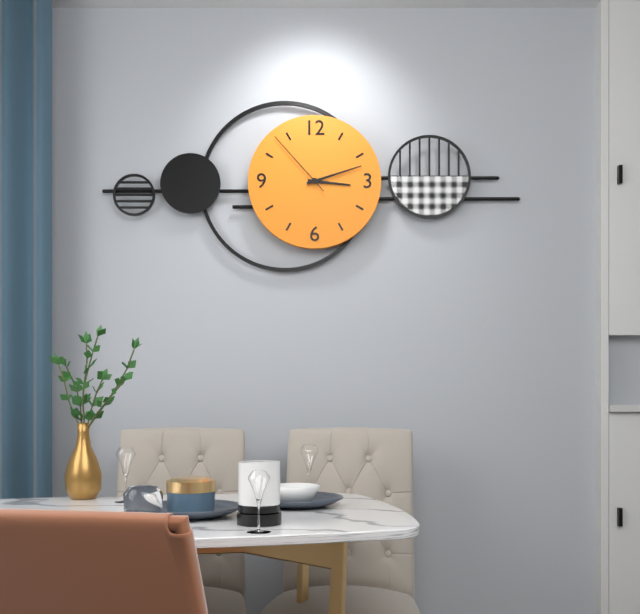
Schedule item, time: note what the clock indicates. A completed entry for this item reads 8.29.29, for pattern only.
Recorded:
3.12.53
